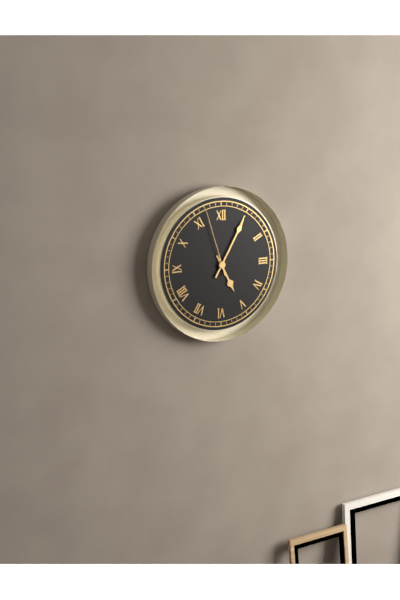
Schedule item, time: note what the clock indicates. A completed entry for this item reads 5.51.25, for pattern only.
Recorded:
5.05.57
